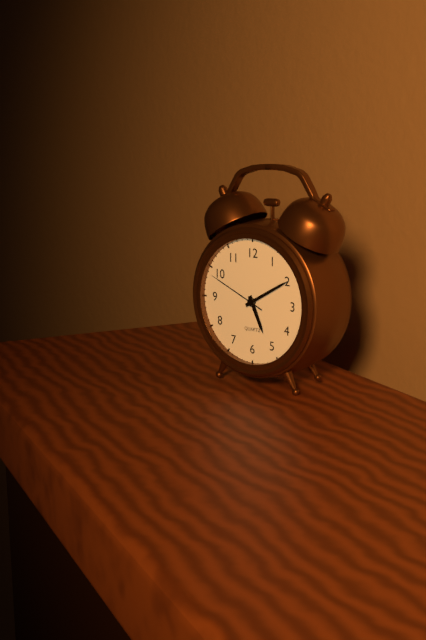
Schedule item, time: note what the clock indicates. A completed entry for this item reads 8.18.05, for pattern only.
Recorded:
5.10.49
